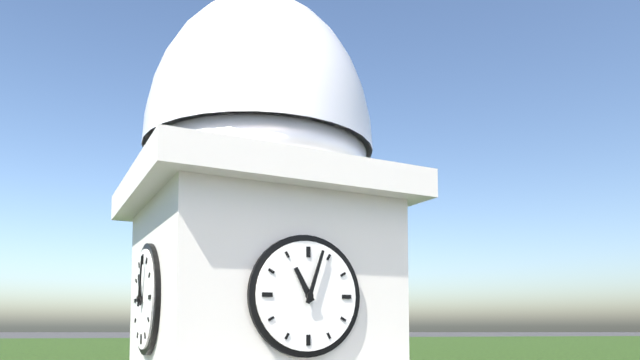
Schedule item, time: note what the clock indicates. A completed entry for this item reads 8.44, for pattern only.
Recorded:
11.03
